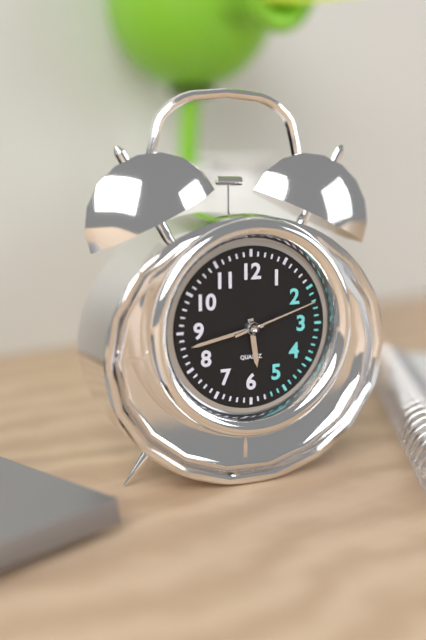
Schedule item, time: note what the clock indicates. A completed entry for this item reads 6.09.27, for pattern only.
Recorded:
5.43.12
